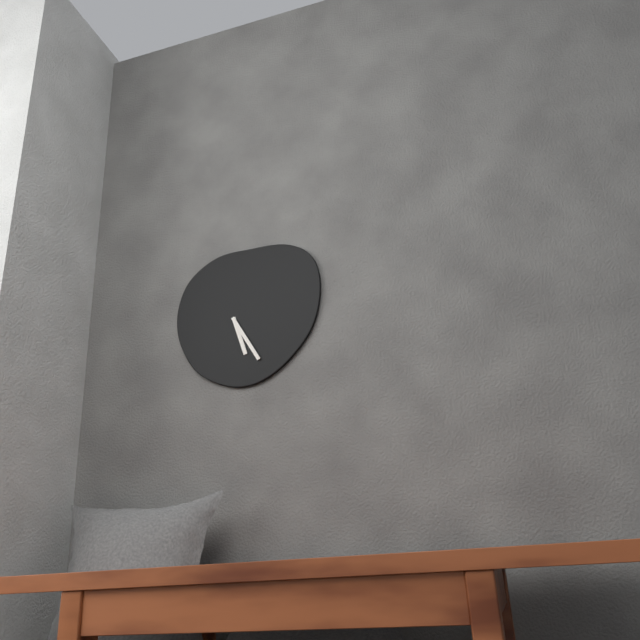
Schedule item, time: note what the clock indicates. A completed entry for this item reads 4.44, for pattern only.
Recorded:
5.25
